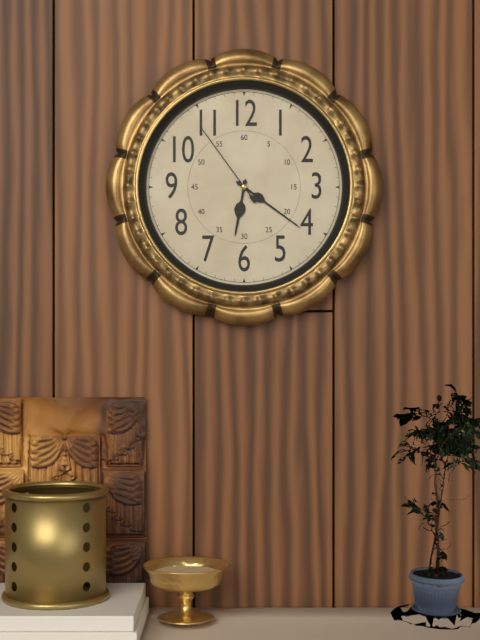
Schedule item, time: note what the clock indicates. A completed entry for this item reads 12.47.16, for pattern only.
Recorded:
6.21.54
